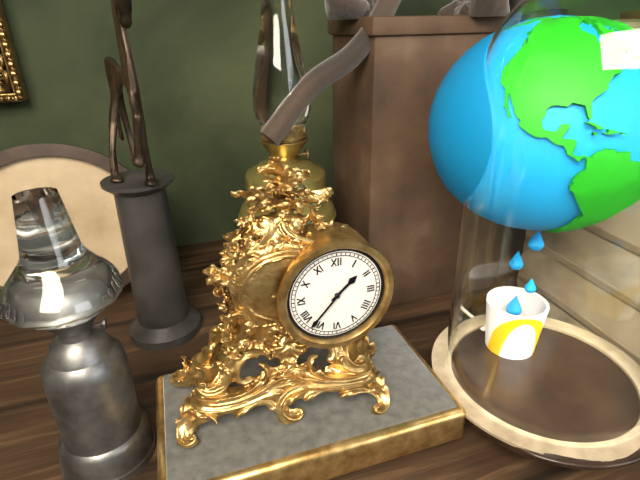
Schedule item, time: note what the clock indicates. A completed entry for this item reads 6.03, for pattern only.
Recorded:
1.37
